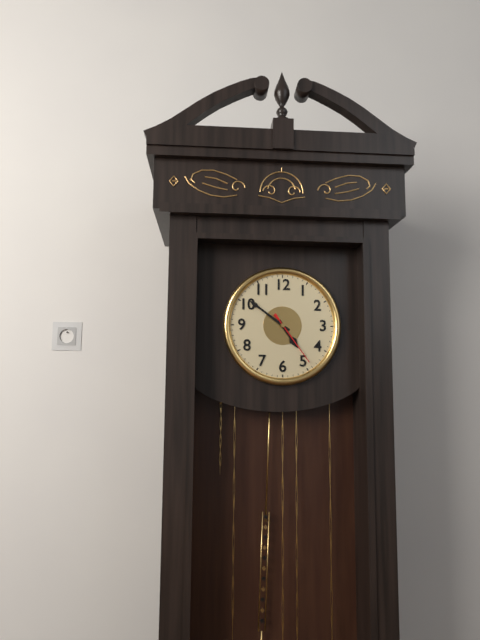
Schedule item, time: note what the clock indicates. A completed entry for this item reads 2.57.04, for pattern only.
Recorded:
4.51.24
